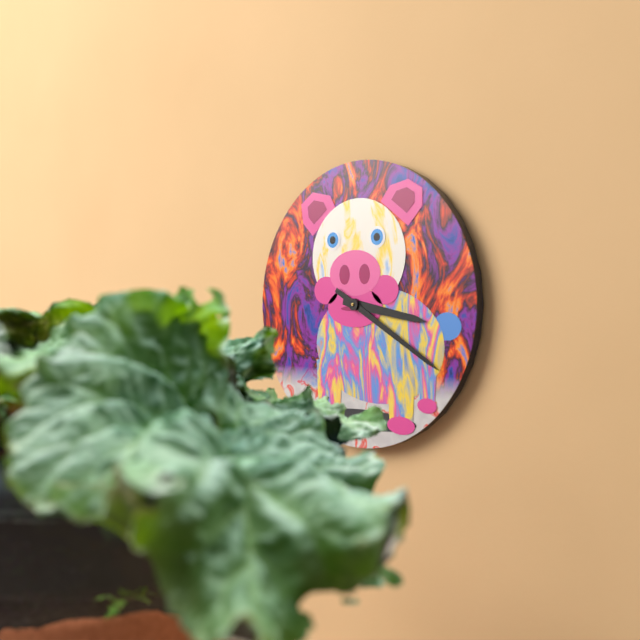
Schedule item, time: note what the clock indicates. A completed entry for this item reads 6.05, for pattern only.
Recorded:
3.20
